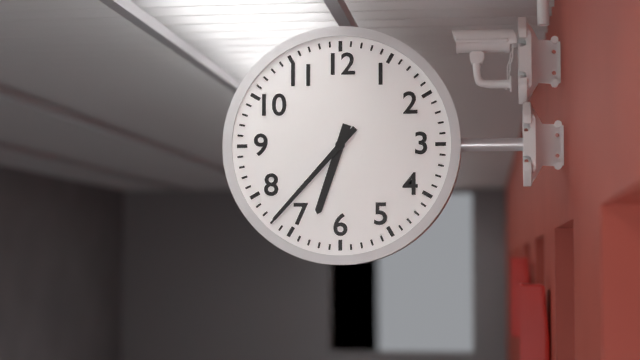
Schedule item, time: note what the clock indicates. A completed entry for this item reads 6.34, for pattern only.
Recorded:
6.37
